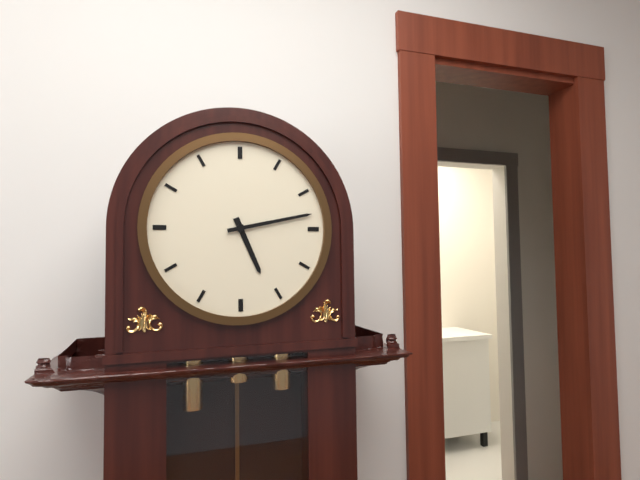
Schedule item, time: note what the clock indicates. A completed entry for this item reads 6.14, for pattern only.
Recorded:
5.13
